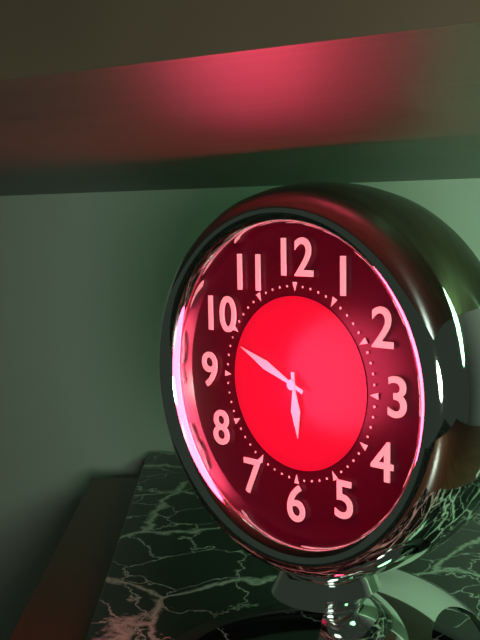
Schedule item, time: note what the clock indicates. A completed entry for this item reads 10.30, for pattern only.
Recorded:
5.49
